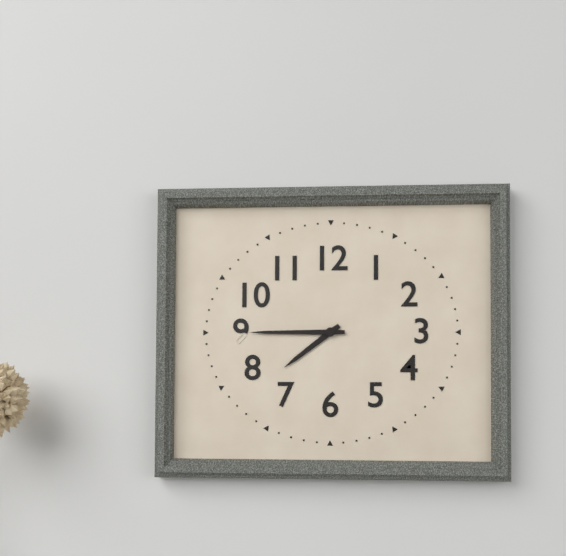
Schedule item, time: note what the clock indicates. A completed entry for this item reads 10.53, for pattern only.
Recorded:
7.45
